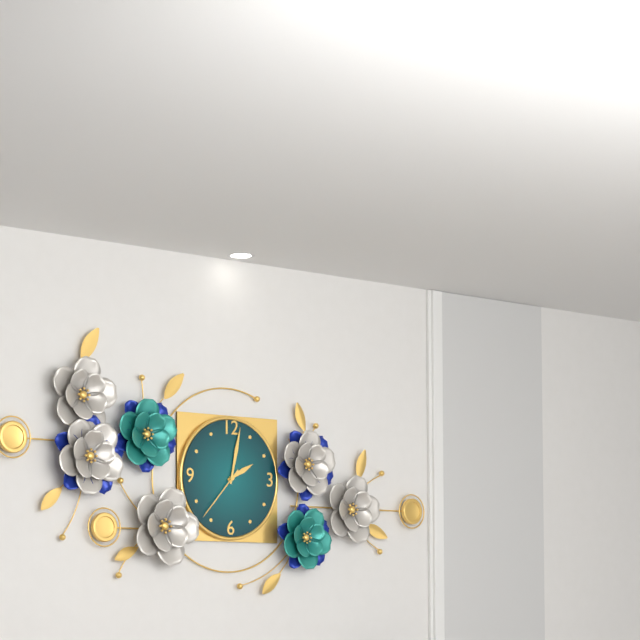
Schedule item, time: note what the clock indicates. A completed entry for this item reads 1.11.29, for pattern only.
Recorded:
2.02.37
